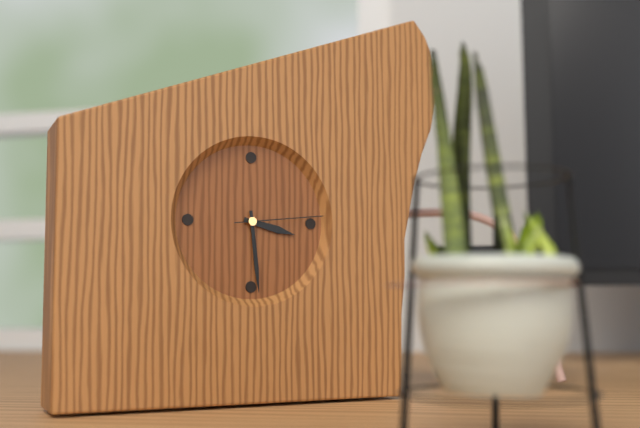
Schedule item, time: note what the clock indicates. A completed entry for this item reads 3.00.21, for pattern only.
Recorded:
3.29.14
